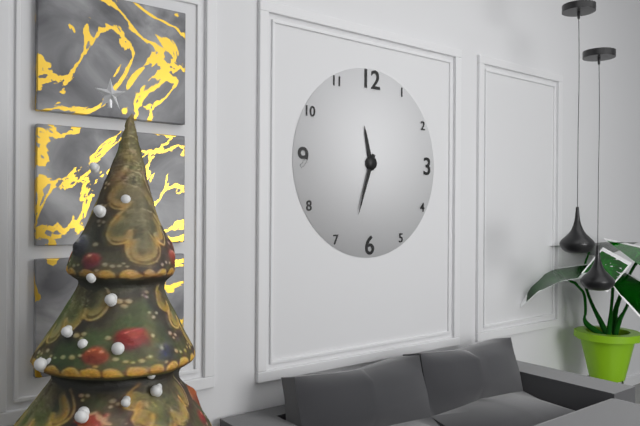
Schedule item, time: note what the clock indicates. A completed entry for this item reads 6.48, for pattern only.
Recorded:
11.33
